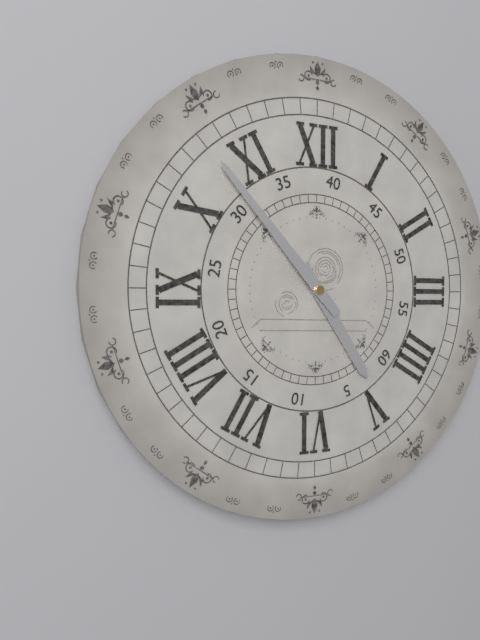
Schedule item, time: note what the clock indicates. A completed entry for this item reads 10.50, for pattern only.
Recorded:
4.53
